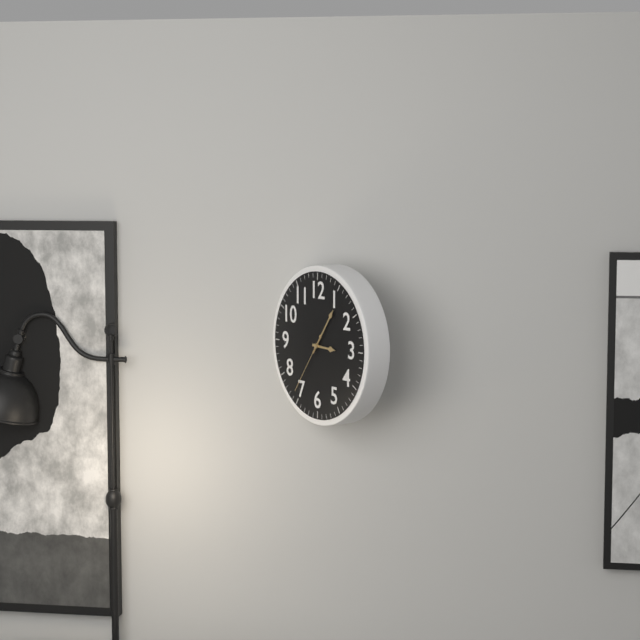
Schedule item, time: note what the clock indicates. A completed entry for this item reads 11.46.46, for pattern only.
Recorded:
3.06.36
